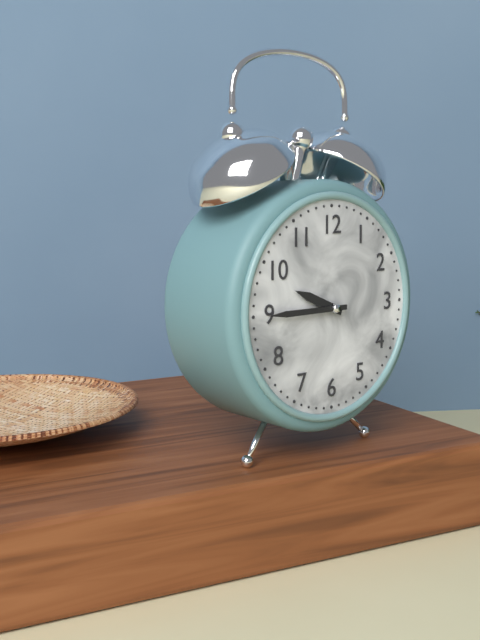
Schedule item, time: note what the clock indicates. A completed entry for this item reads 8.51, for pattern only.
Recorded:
9.45
